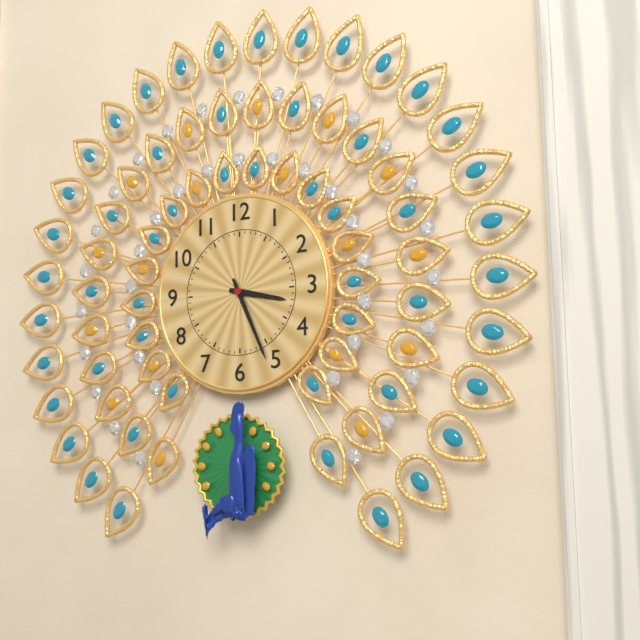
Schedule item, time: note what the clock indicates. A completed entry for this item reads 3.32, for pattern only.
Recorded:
3.26
